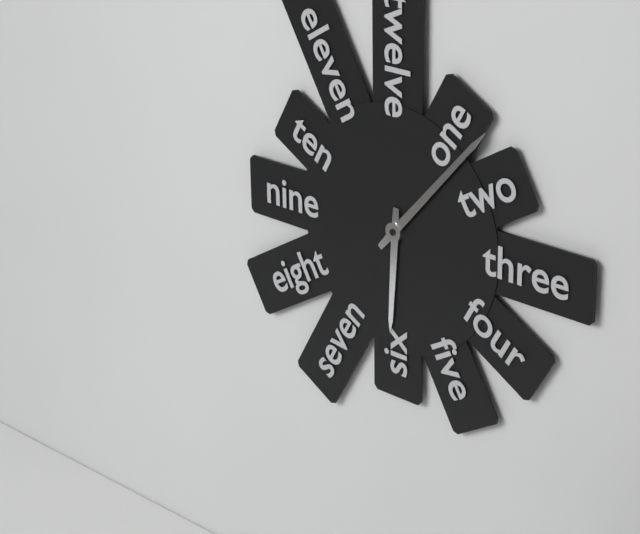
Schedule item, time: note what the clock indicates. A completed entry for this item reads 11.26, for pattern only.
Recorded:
6.07
